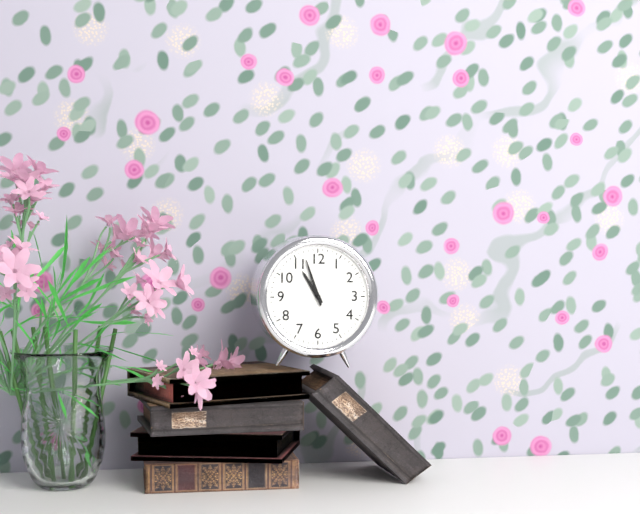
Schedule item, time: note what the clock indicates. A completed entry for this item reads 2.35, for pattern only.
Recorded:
10.57
